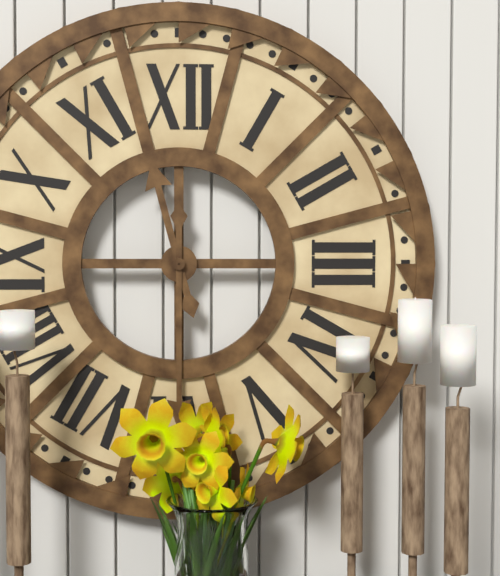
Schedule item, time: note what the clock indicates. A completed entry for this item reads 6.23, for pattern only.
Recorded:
11.30
